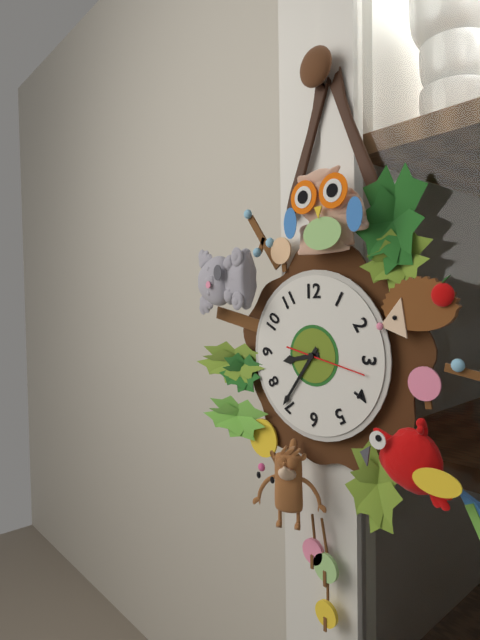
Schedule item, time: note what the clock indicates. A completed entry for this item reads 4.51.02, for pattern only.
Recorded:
8.36.17
